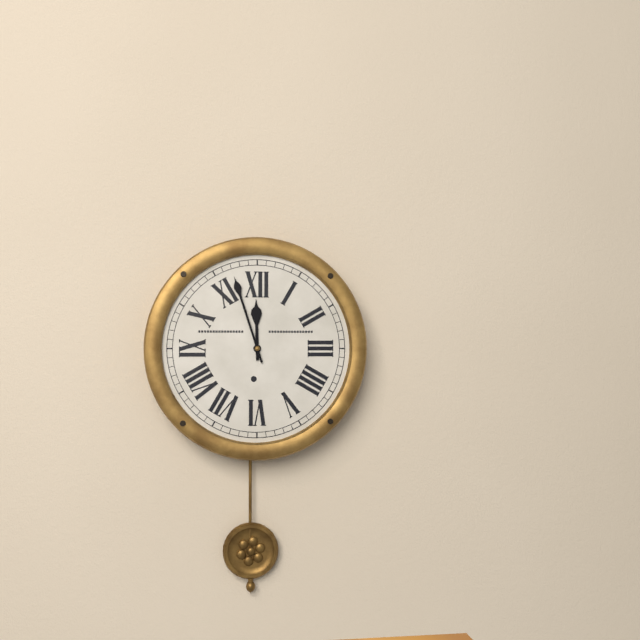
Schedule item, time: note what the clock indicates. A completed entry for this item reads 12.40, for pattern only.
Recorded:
11.57
